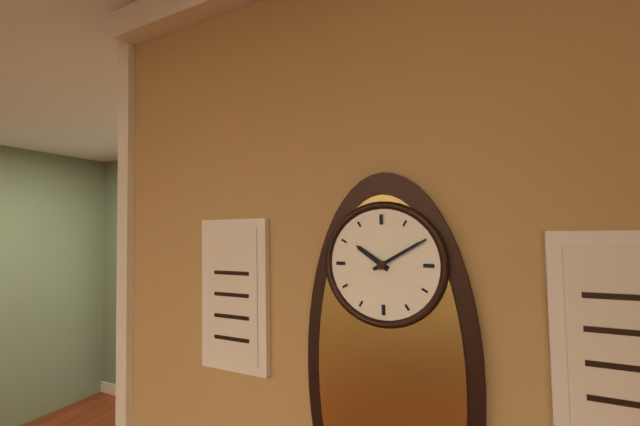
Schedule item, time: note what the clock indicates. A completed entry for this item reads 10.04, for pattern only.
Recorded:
10.10
